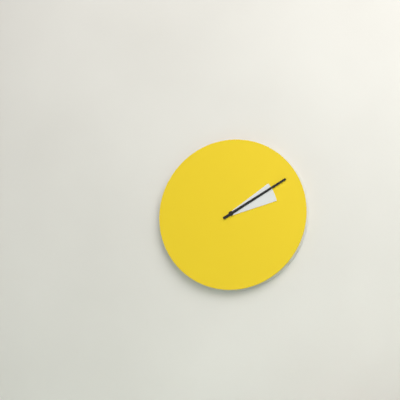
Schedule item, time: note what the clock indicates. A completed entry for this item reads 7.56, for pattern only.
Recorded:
2.10
